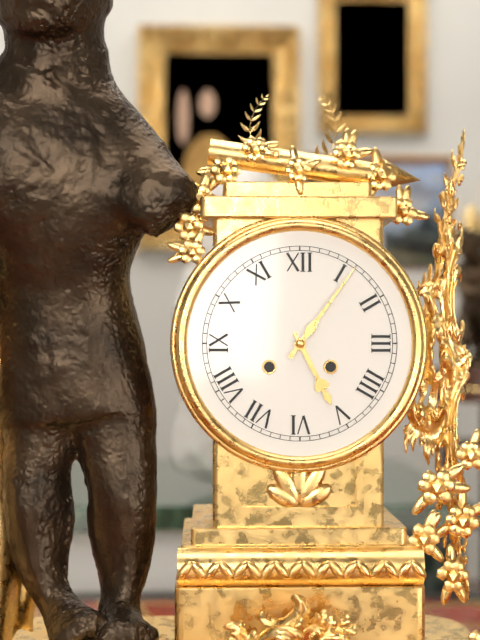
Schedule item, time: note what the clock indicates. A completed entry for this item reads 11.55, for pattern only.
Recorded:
5.06
